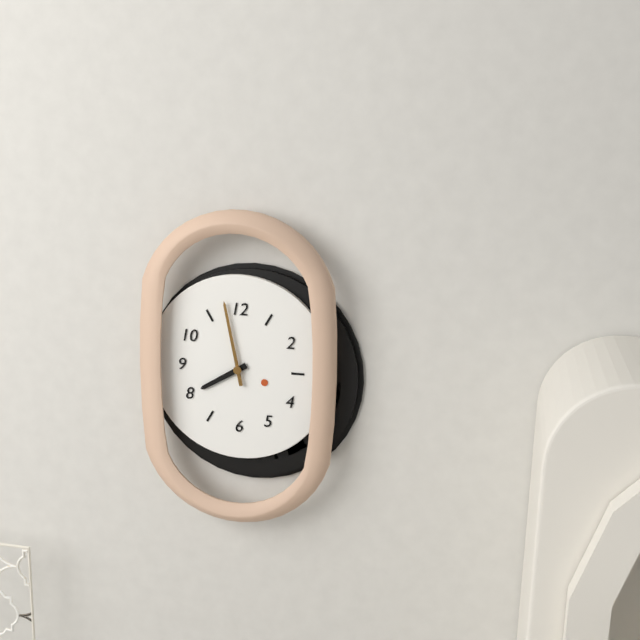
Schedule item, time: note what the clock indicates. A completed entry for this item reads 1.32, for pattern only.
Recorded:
7.58
